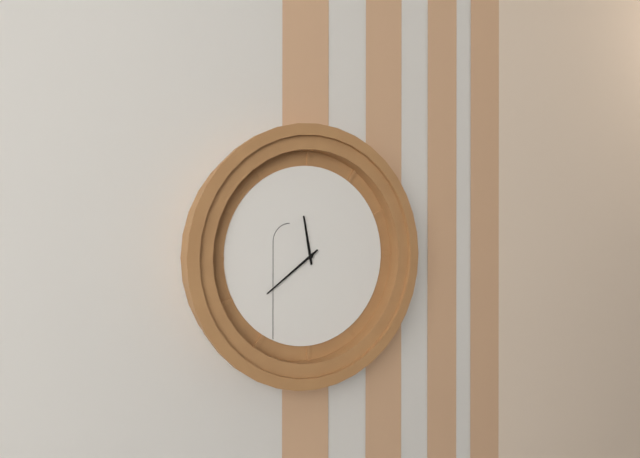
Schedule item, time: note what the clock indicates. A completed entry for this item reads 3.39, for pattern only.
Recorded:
11.39
